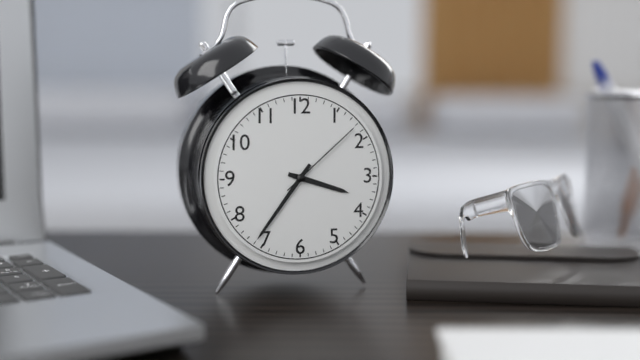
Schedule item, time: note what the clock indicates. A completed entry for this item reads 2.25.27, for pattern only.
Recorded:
3.36.08
